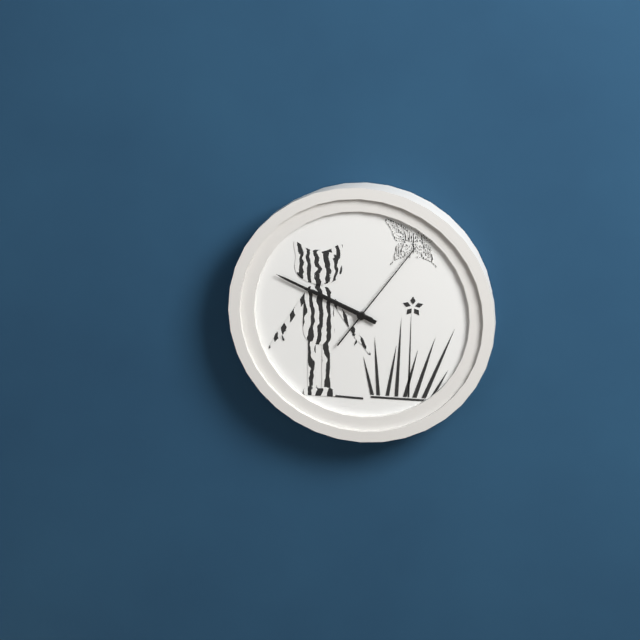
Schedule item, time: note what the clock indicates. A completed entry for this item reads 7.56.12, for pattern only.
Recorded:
9.49.06
